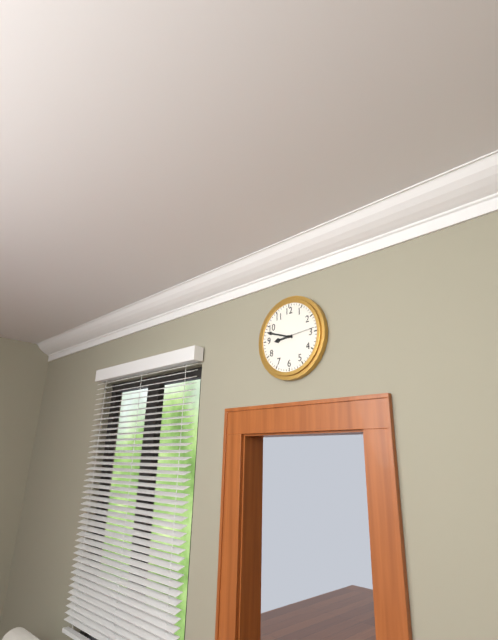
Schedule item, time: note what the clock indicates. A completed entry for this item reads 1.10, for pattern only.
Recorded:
8.48
